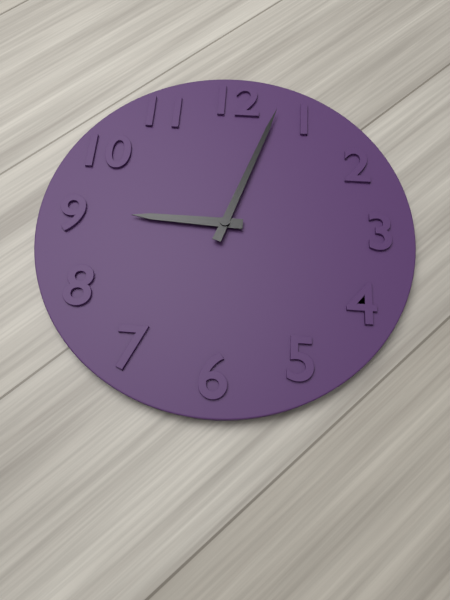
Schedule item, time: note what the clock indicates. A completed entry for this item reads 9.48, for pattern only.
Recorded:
9.03
